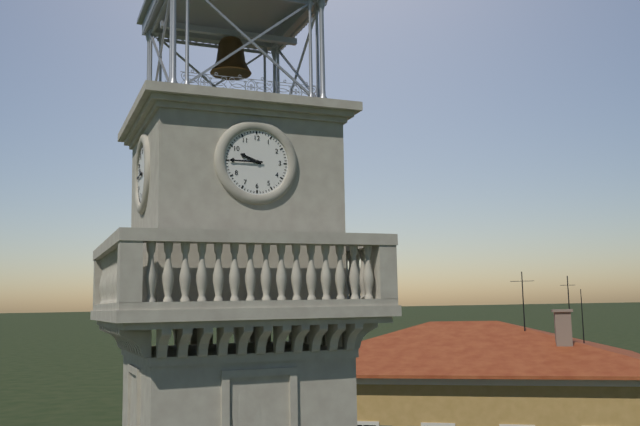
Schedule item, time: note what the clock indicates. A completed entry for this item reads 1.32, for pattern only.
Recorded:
9.45
